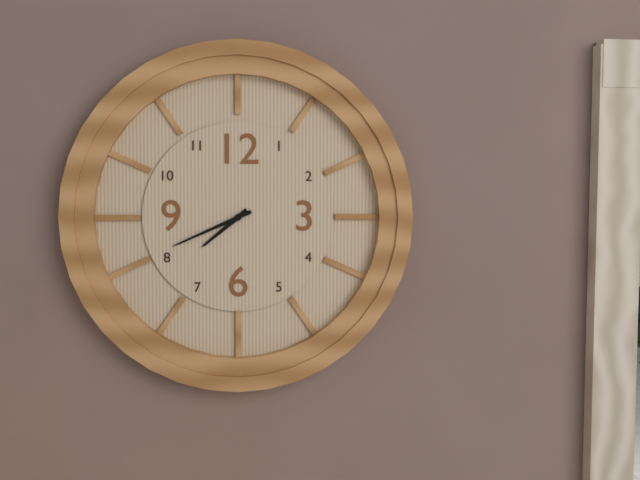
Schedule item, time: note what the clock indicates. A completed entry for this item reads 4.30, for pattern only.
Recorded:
7.41
